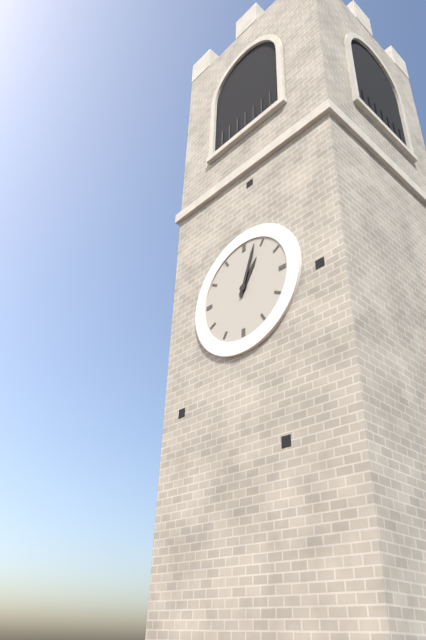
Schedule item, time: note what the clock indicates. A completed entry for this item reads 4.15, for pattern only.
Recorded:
1.03
